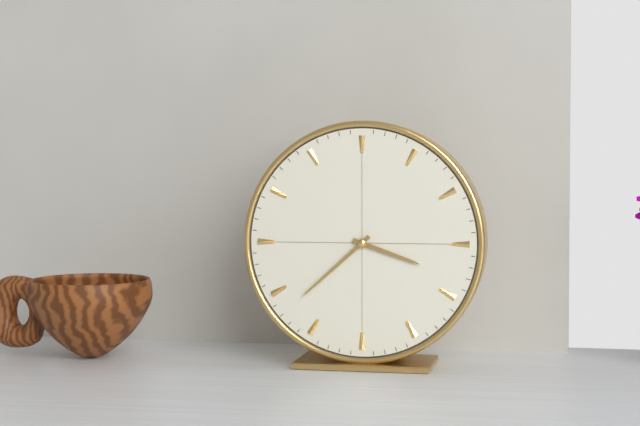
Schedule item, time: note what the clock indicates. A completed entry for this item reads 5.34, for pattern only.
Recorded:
3.38
